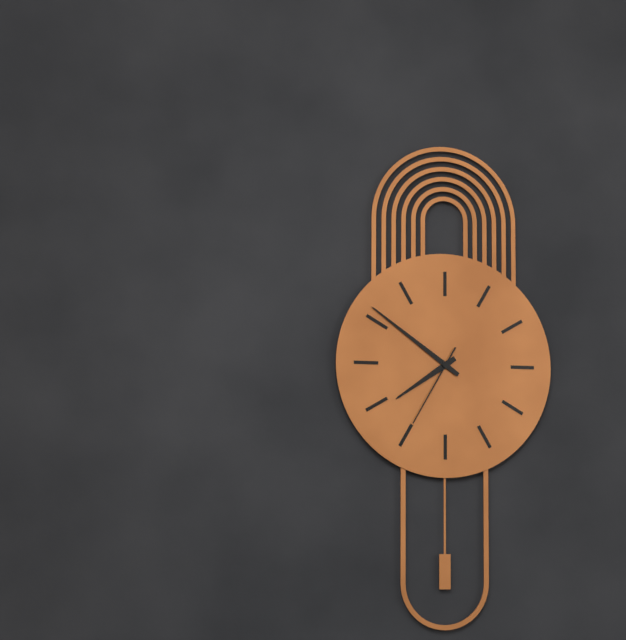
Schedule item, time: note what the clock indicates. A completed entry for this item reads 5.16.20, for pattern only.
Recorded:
7.51.35
